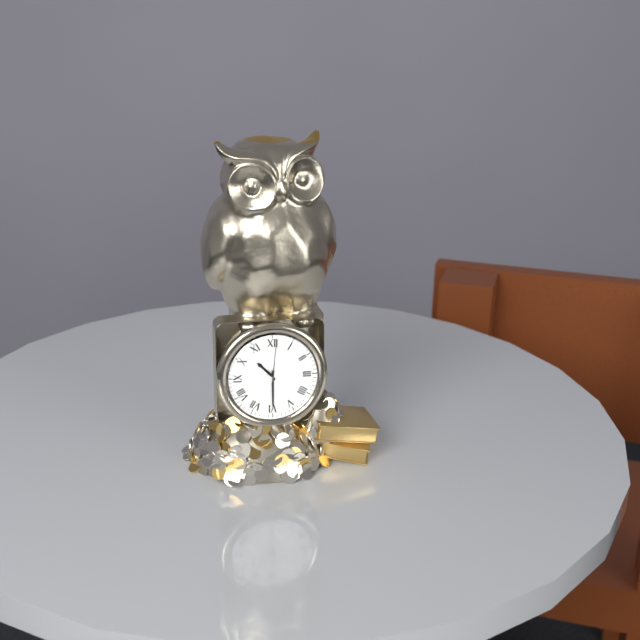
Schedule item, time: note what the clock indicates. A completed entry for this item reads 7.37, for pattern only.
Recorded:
10.30
